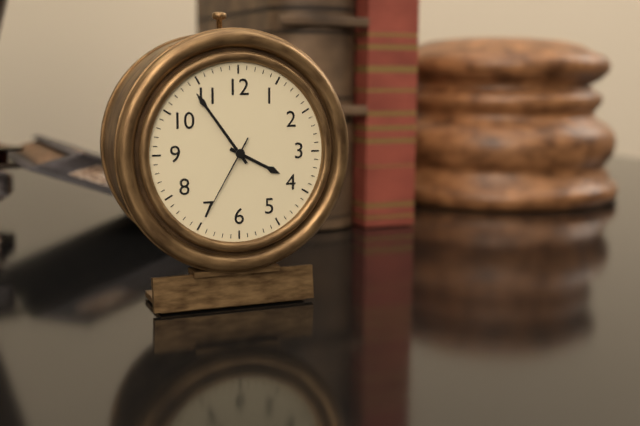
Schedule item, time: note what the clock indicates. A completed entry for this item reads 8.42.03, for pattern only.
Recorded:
3.54.35
